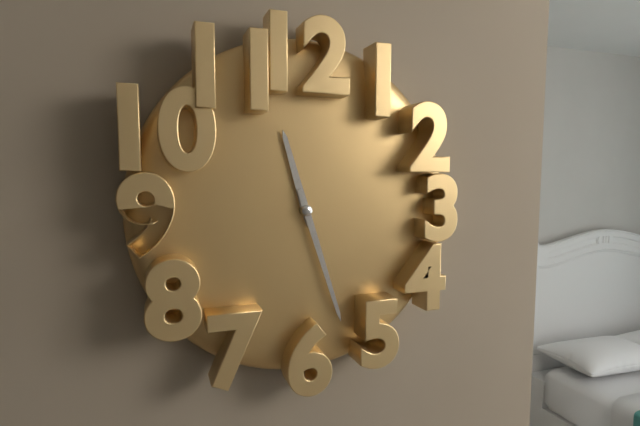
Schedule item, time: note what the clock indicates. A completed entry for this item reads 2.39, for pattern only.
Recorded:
11.27
